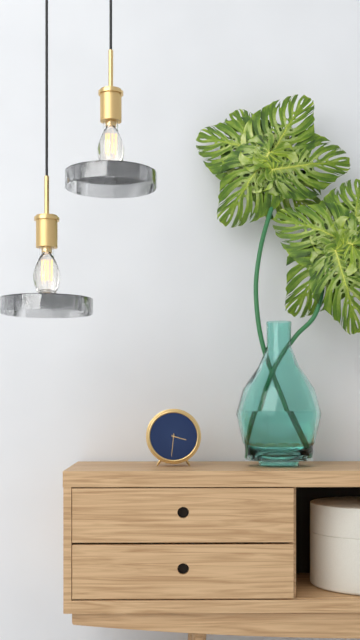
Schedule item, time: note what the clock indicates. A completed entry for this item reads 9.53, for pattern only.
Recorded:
3.31
